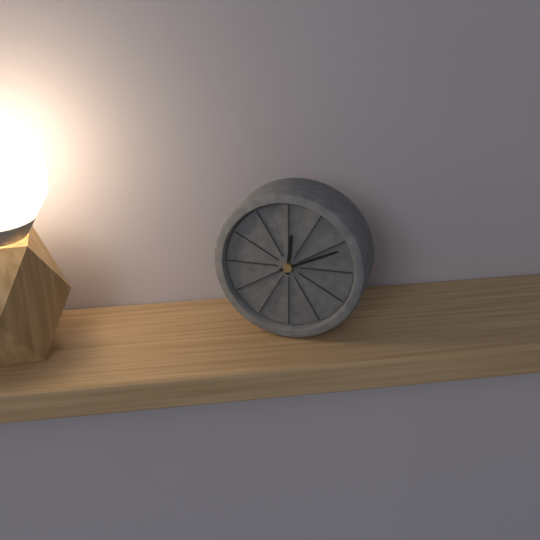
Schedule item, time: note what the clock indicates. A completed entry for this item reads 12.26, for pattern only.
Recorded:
12.11
